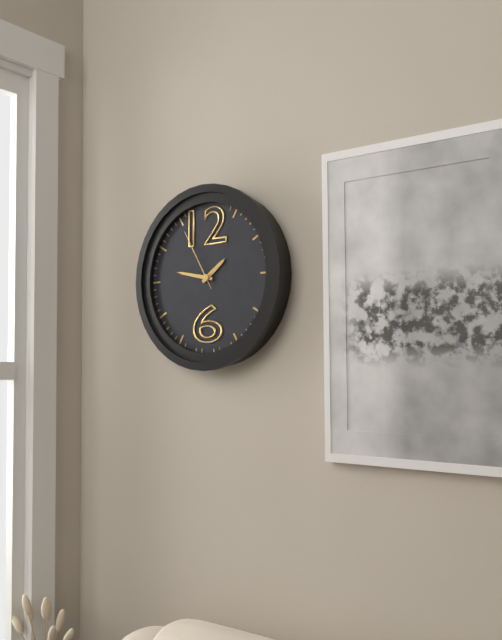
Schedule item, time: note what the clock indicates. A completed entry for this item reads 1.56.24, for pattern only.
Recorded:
1.47.55
